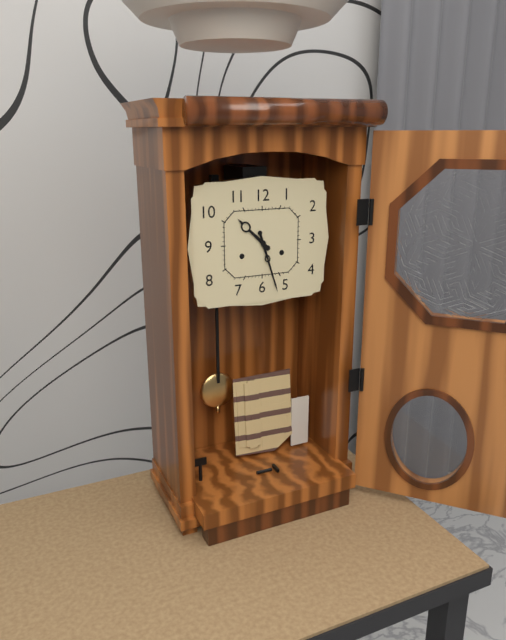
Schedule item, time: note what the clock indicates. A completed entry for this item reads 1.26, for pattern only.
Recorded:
10.27
